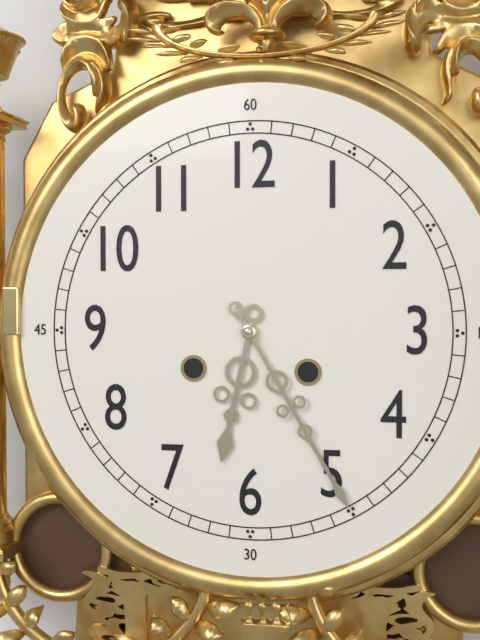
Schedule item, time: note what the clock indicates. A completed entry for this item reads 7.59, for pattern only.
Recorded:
6.25
